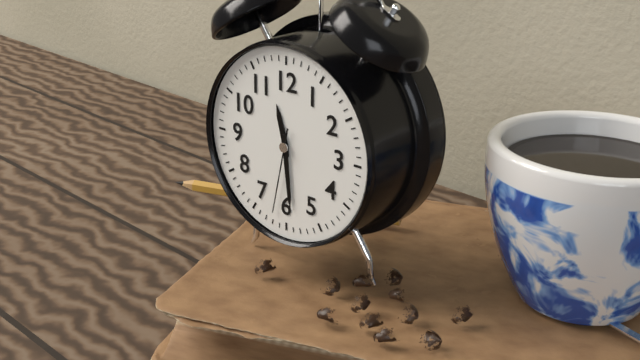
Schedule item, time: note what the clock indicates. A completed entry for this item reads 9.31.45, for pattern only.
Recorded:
11.29.32
